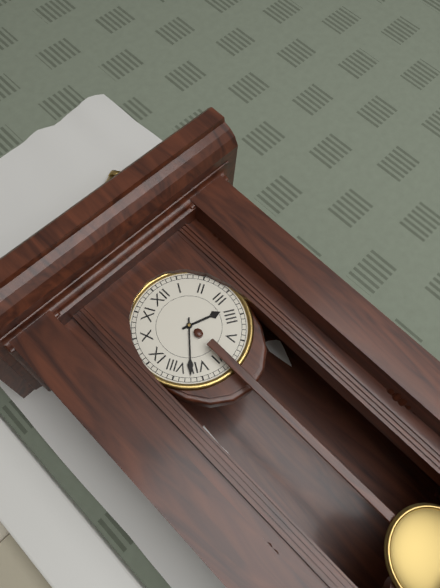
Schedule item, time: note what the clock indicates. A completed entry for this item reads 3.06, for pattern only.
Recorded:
3.37
